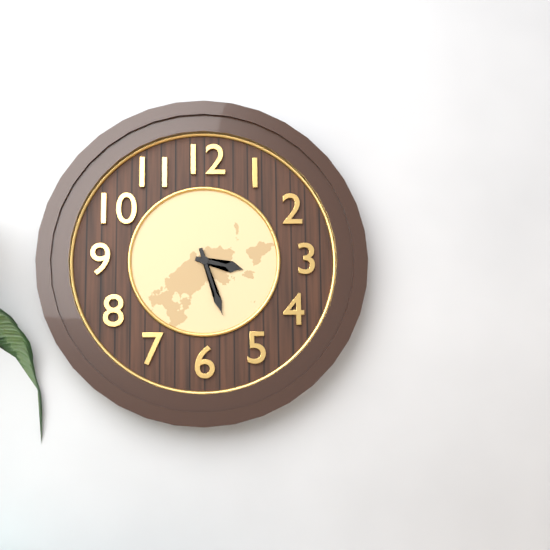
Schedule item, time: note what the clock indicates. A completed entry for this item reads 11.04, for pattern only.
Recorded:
3.27
